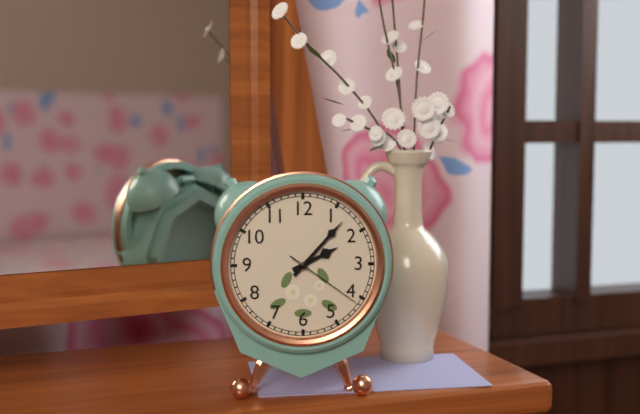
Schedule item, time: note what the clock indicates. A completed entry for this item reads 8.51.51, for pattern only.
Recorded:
2.07.21
